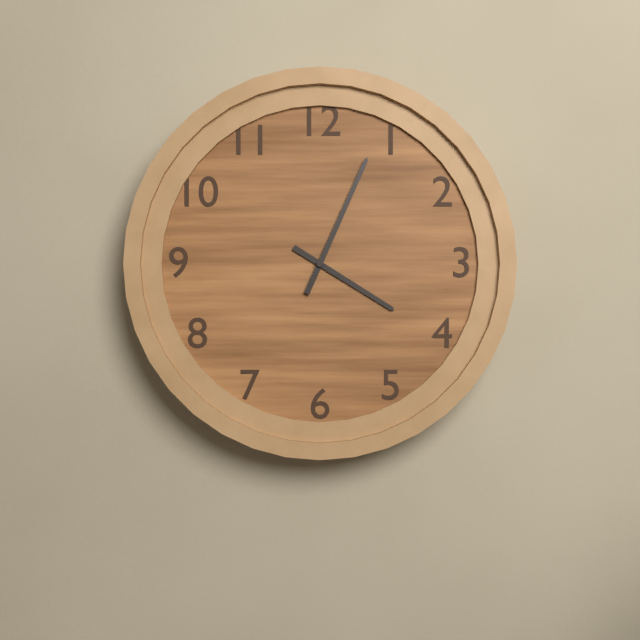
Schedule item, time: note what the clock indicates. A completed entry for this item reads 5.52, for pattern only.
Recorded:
4.04
